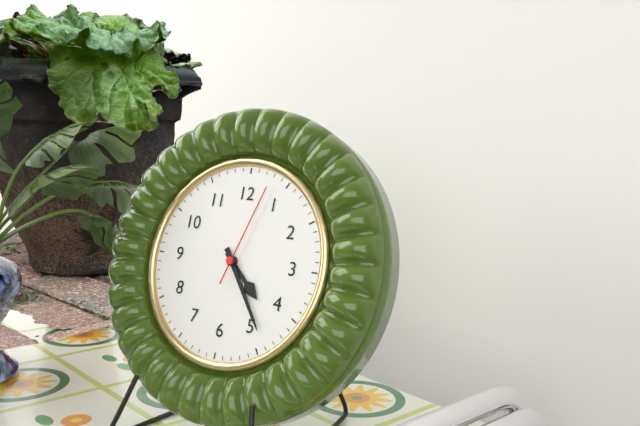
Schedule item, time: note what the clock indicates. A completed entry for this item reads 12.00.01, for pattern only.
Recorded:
4.24.03
